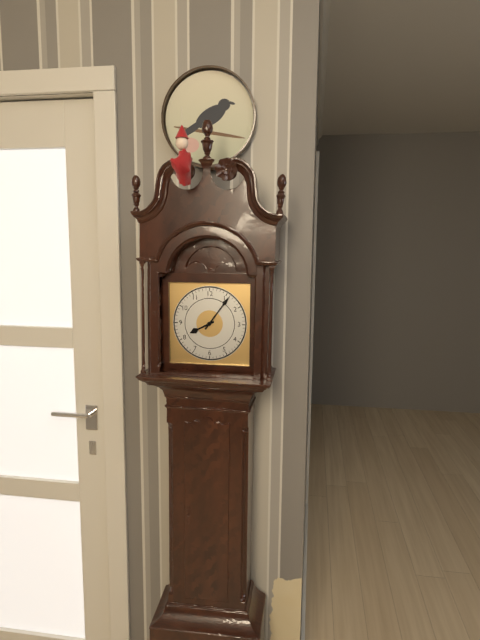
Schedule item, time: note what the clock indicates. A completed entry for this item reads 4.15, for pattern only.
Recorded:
8.06
